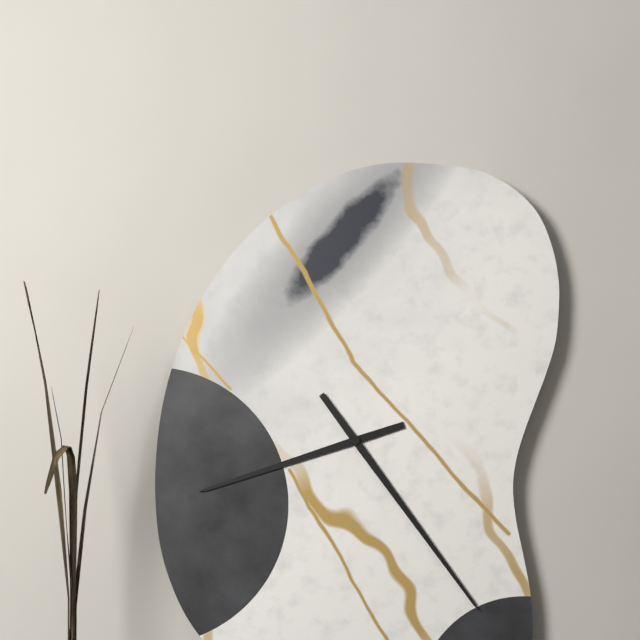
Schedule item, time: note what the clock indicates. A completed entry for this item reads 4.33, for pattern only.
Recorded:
8.24
